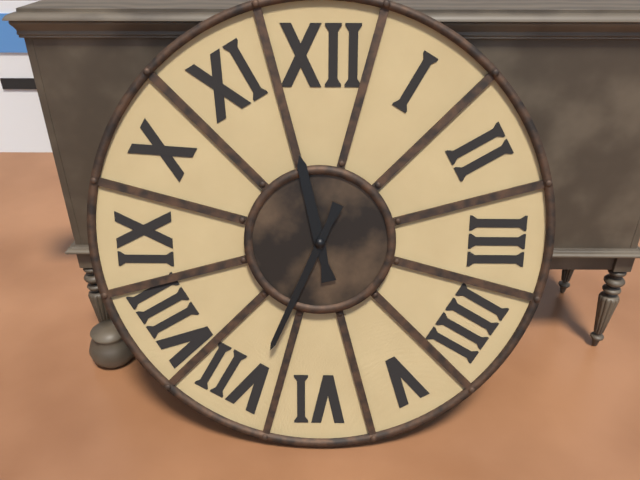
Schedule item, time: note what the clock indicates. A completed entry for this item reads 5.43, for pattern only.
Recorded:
11.34
